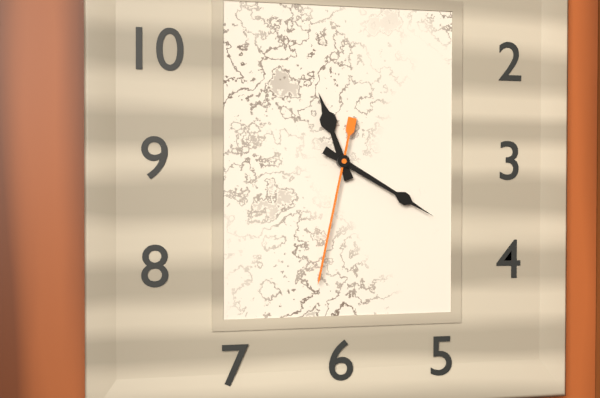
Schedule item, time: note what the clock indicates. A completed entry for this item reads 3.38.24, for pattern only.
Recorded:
11.20.32
